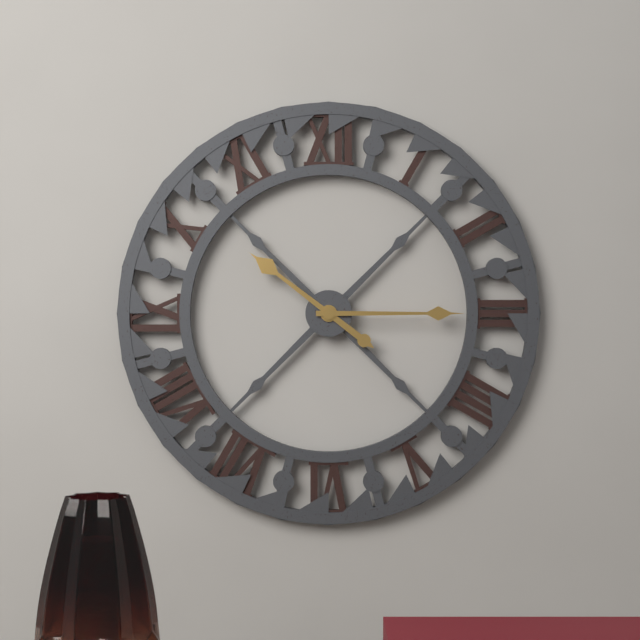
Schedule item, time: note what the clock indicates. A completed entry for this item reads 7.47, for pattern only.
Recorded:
10.15
